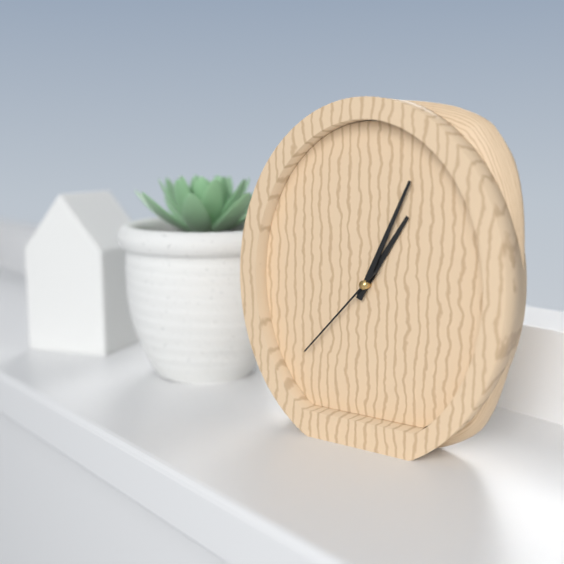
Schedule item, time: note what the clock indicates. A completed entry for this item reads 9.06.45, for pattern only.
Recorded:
1.04.37
